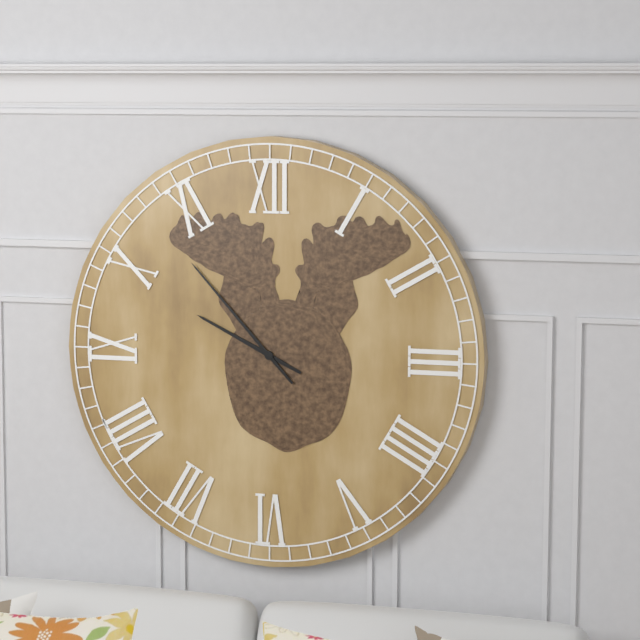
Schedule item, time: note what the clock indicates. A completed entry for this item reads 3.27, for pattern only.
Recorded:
9.53
